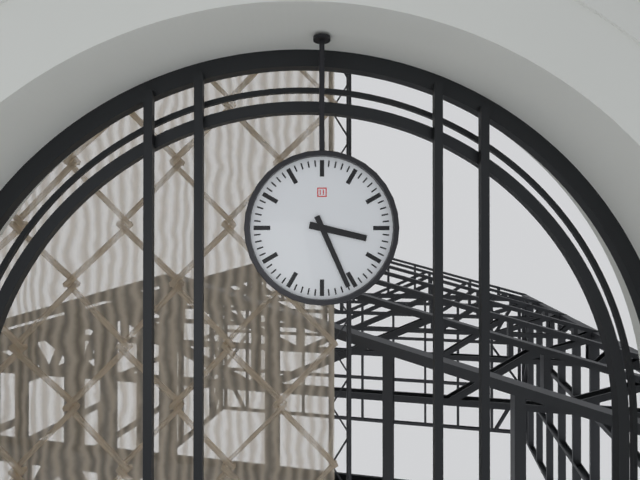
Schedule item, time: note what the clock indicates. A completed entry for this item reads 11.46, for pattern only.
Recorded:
3.26
